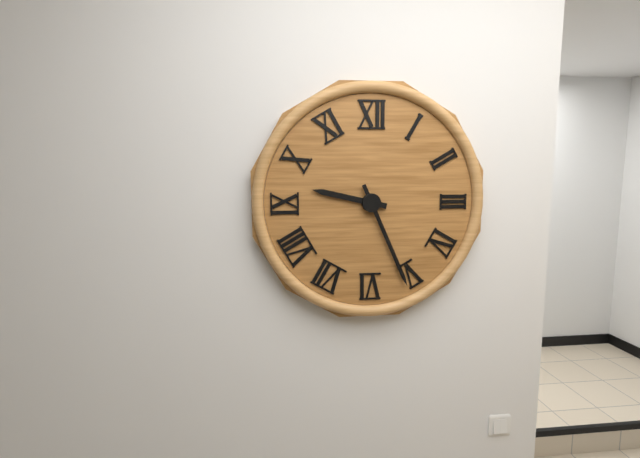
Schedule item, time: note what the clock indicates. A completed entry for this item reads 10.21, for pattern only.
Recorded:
9.26
